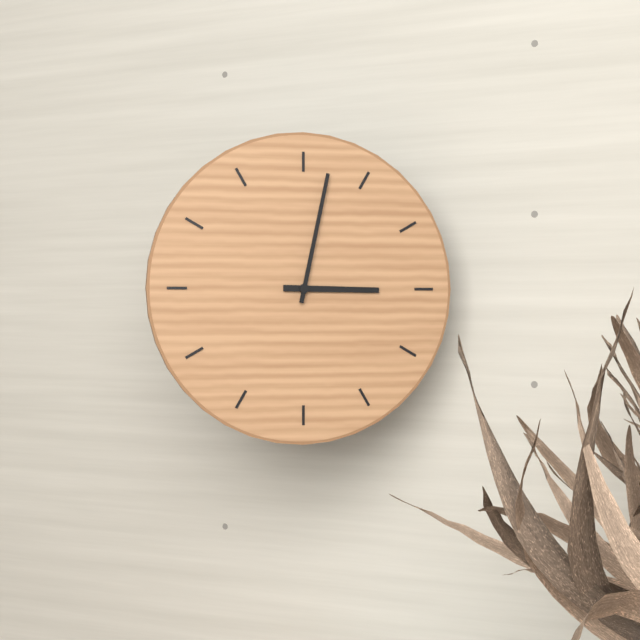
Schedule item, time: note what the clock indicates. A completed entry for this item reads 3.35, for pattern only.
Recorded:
3.02
